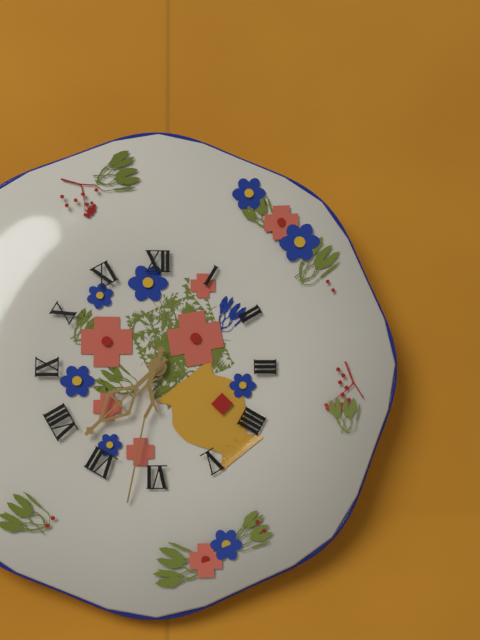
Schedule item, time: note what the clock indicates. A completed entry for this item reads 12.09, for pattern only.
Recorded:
7.32
